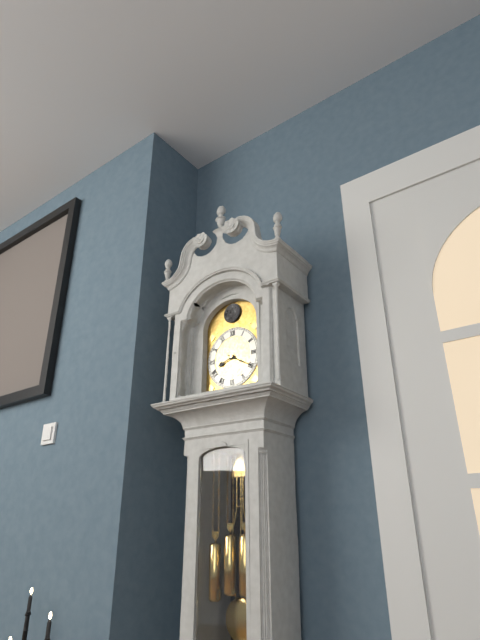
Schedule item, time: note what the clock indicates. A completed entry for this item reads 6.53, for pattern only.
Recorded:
8.20
